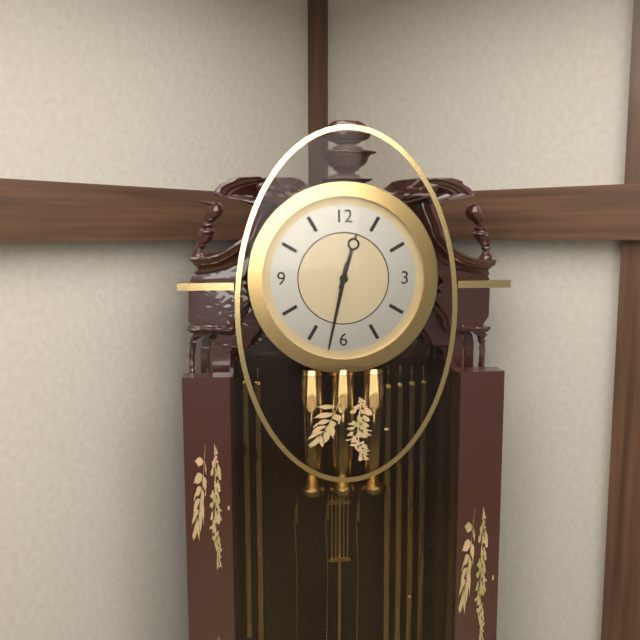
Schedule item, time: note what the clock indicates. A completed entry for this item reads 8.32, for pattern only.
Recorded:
12.32
